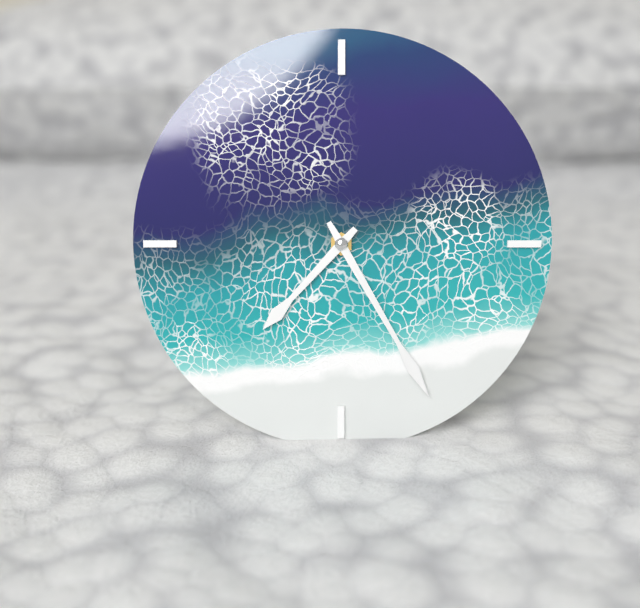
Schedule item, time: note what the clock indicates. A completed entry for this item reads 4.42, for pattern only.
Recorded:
7.25
